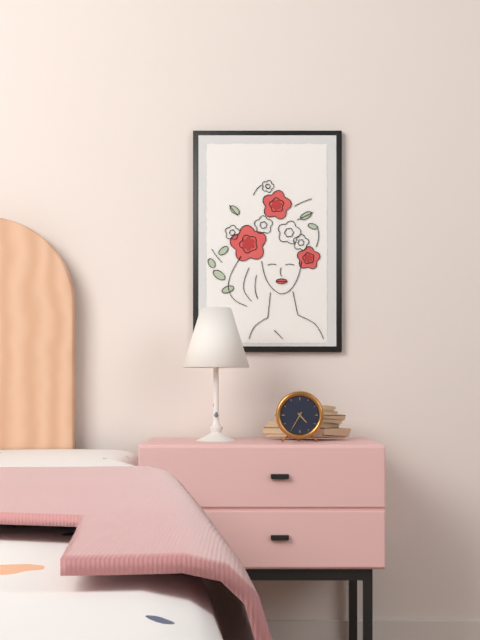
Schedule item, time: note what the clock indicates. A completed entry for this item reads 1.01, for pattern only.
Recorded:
4.35
